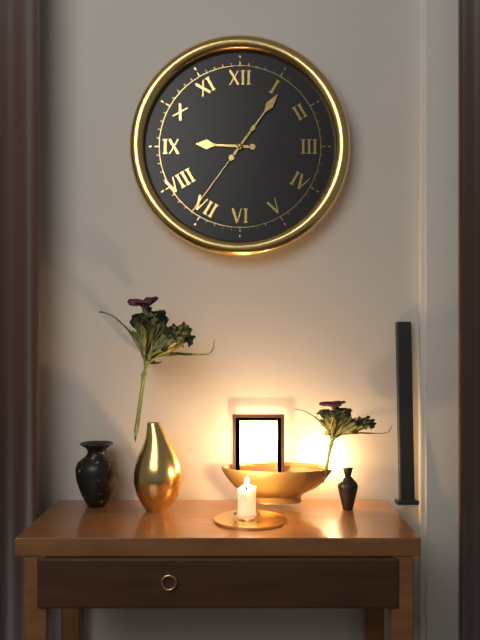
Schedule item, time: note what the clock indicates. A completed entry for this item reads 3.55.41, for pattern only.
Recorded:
9.06.36
